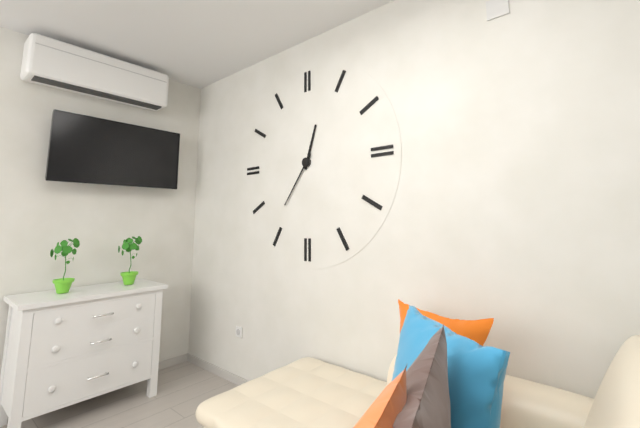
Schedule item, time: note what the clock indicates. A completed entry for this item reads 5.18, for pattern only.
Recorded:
12.36
